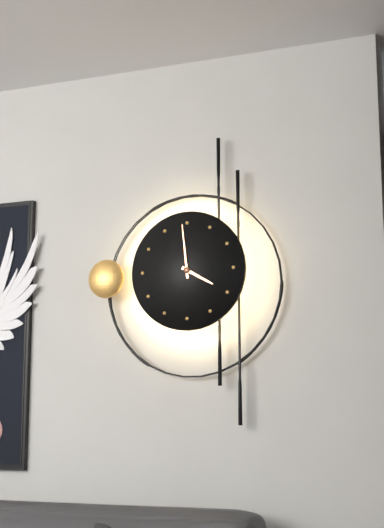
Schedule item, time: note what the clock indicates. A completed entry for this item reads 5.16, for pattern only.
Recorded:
3.59
